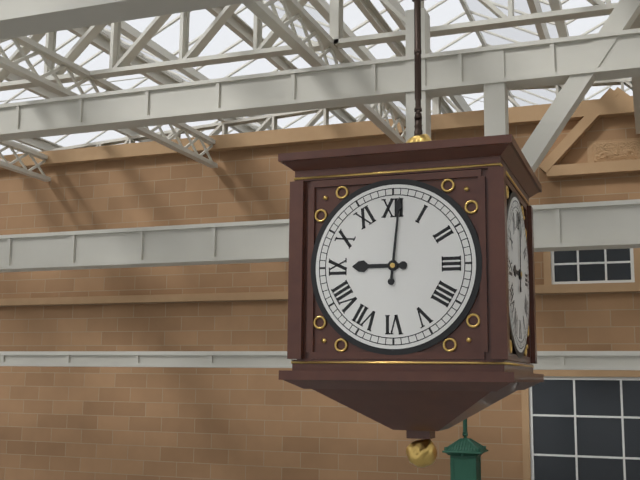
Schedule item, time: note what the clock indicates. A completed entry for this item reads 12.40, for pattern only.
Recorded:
9.01
